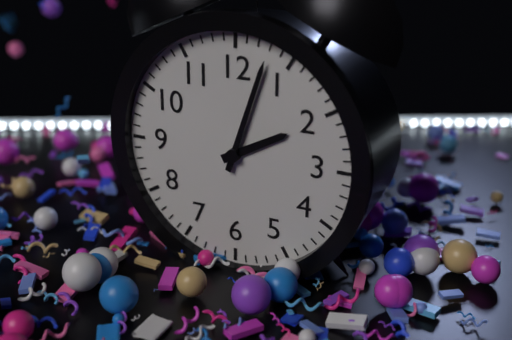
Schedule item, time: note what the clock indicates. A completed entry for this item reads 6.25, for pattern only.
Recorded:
2.03
